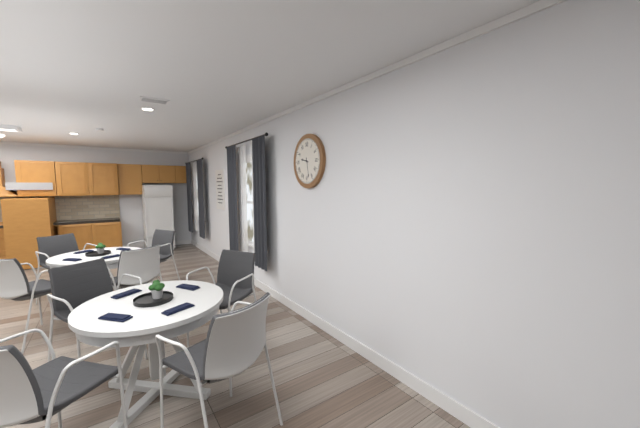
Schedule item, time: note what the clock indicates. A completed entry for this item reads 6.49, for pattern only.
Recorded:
9.28
